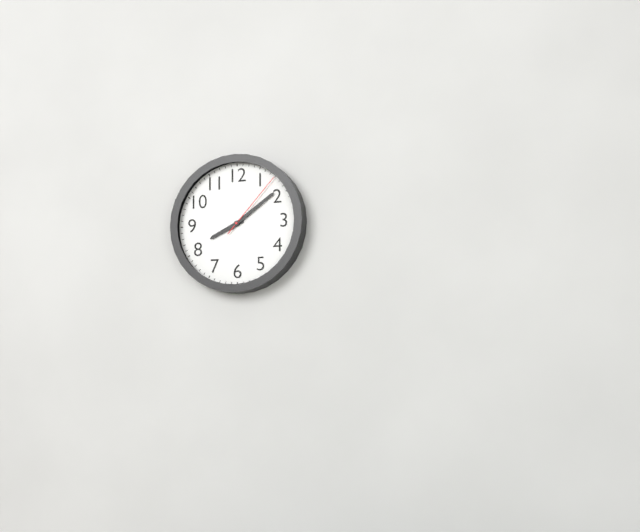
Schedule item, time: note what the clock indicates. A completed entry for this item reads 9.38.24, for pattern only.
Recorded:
8.09.07
